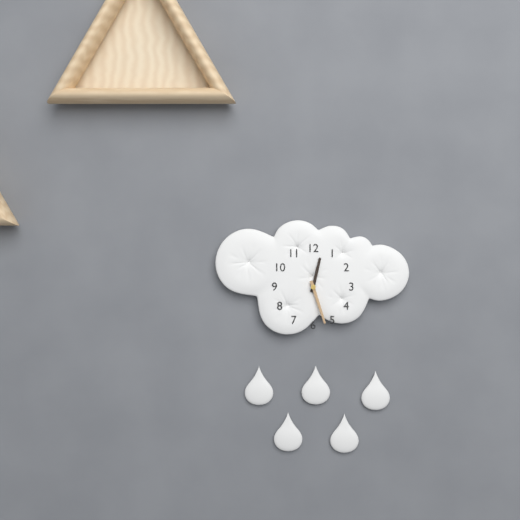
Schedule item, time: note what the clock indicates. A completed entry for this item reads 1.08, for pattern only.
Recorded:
12.27
